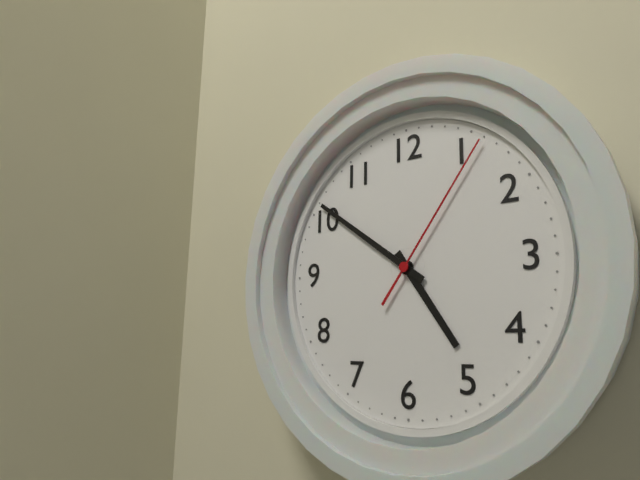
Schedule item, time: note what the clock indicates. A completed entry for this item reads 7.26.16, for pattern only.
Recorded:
4.51.06
